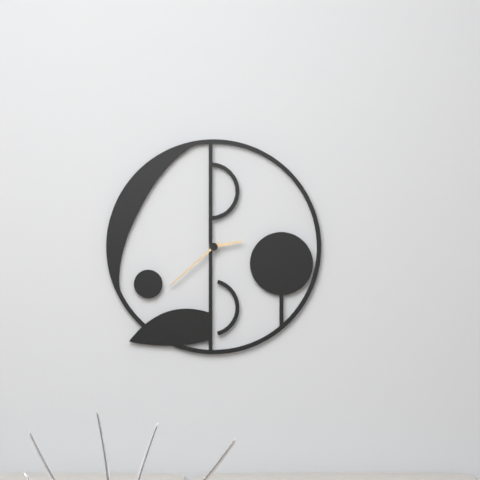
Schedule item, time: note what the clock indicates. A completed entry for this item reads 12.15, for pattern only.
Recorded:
2.38
